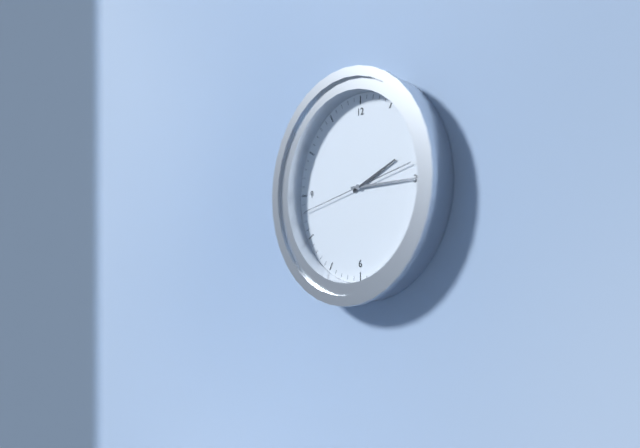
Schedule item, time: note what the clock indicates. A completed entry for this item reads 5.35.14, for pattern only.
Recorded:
2.15.43
